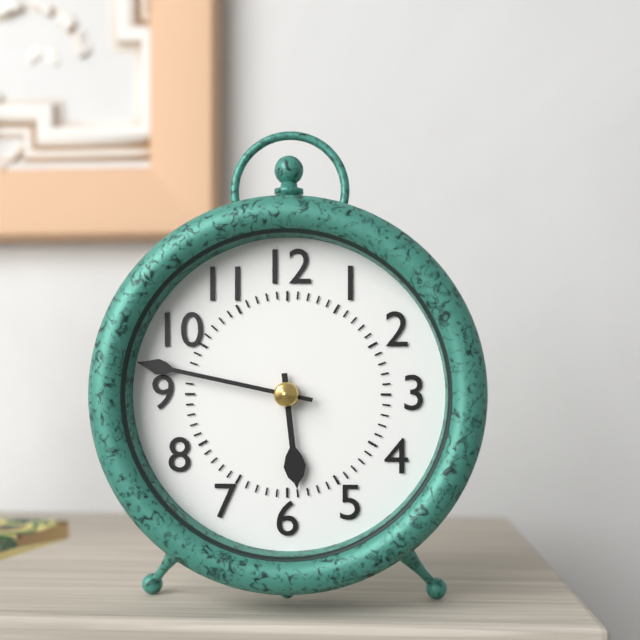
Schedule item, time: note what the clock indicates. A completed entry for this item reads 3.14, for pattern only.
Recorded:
5.47
